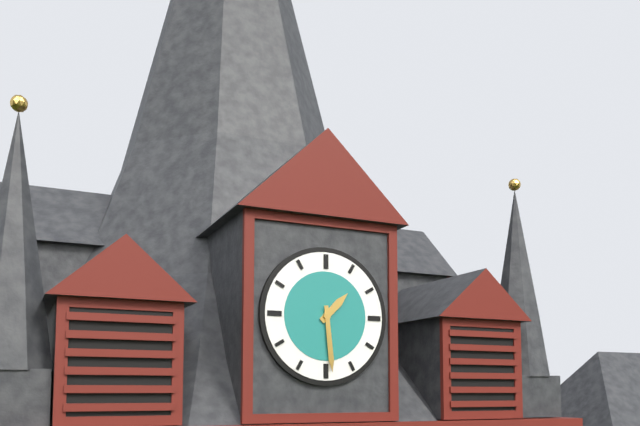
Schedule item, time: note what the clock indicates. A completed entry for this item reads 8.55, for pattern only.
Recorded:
1.29
